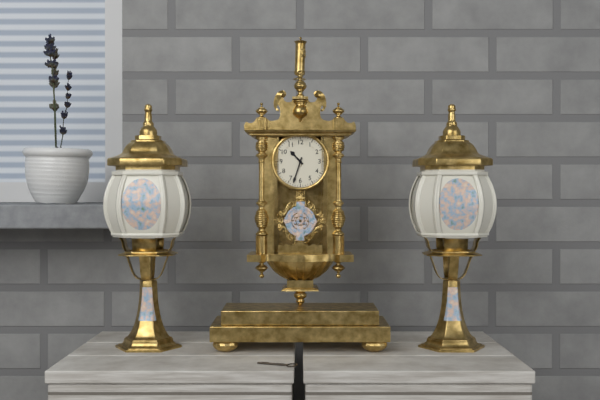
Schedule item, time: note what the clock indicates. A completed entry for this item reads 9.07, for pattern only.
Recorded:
10.33
